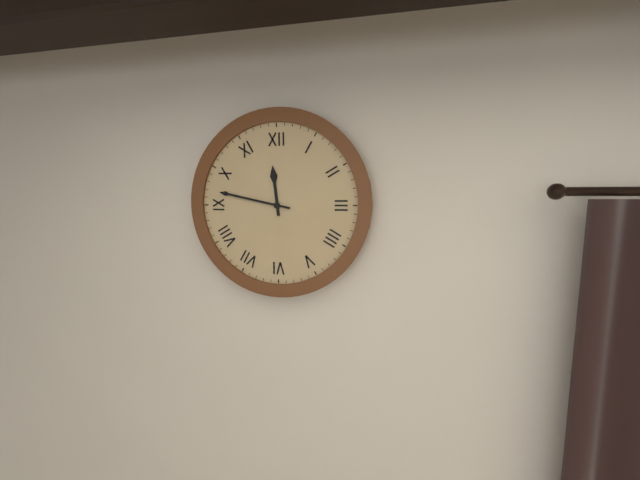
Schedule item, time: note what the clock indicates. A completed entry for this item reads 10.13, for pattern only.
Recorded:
11.47
